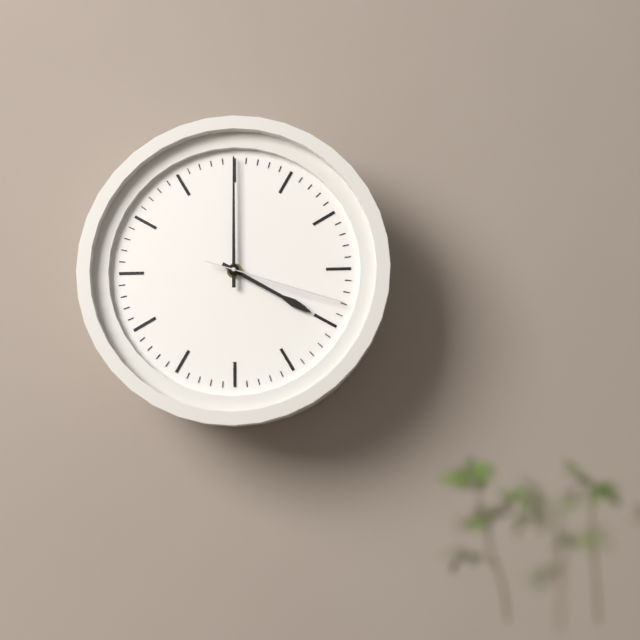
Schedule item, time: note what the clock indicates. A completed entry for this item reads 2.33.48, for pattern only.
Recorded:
4.00.18
